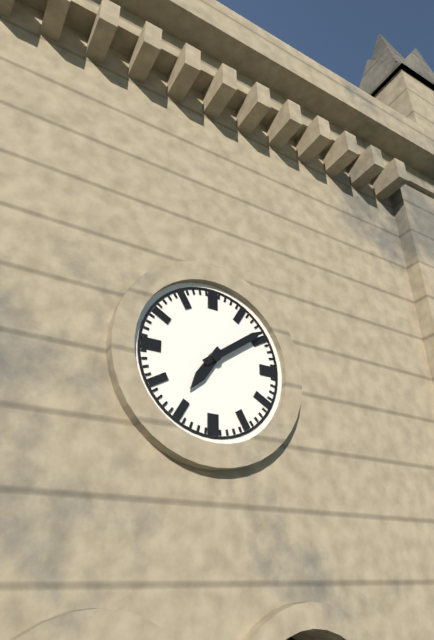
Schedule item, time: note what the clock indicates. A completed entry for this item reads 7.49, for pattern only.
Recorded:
7.09
